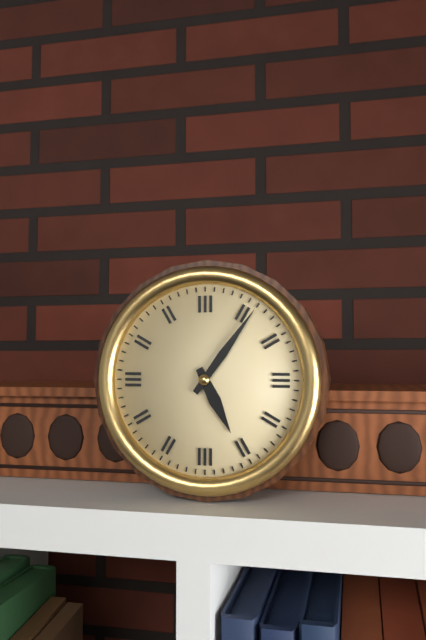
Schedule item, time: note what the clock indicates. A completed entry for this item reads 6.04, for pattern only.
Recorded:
5.06
